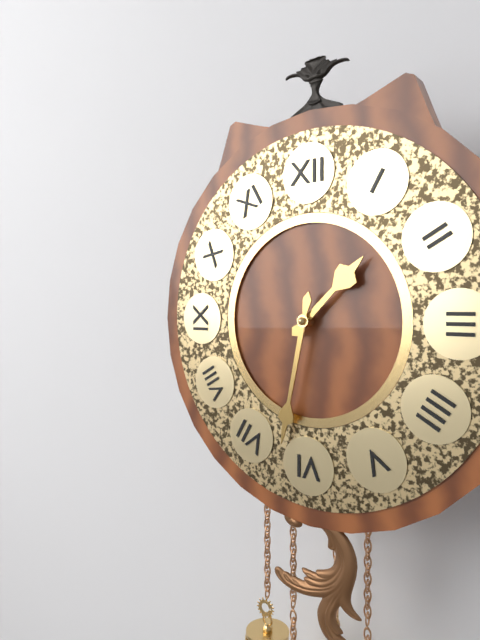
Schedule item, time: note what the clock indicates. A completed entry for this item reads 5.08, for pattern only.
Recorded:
1.32
